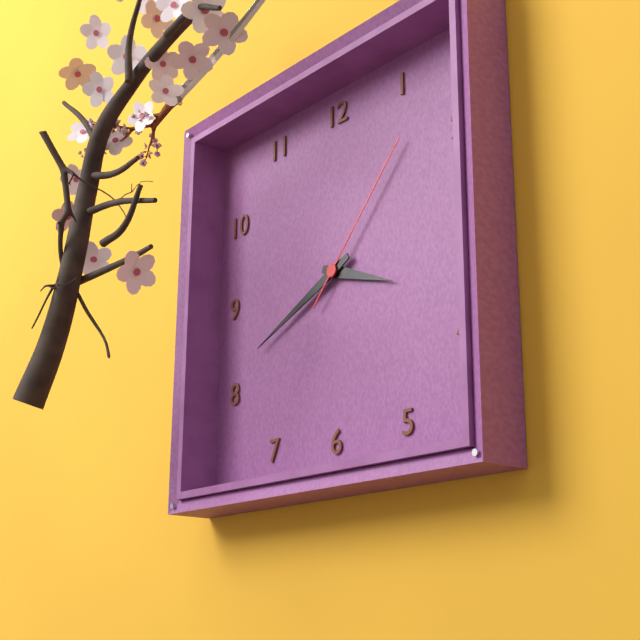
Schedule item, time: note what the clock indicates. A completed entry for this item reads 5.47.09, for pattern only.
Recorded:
3.41.07
